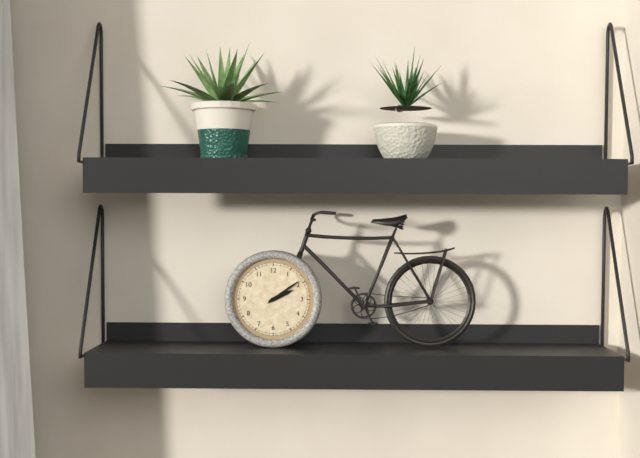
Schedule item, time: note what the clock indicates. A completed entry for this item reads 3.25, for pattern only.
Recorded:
2.09
